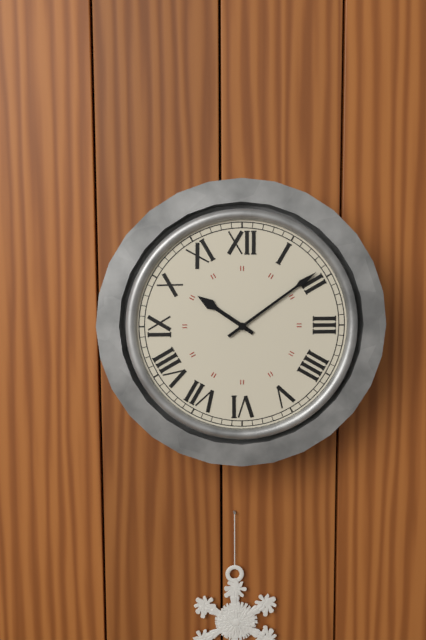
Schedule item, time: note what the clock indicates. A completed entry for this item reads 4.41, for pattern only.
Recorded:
10.09
